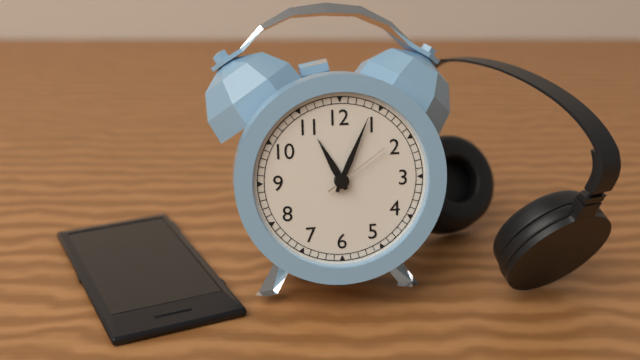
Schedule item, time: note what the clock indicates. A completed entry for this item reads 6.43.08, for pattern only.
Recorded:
11.04.09
